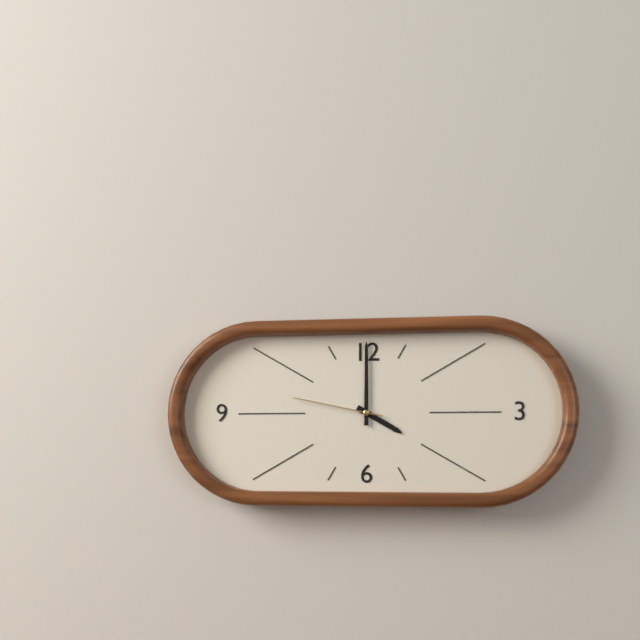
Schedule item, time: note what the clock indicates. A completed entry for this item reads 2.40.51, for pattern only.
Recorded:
4.00.47
